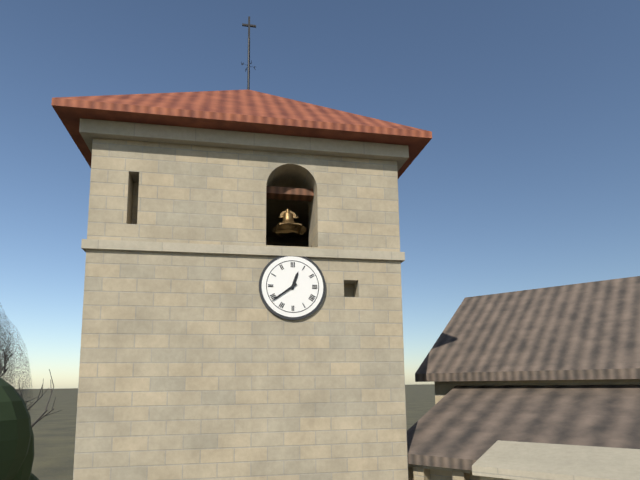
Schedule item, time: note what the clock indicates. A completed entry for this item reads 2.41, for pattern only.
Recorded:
12.39
